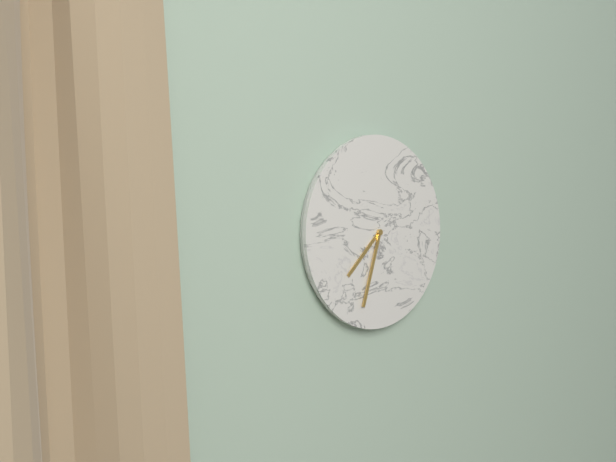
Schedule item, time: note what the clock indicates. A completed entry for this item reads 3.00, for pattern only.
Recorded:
7.33
